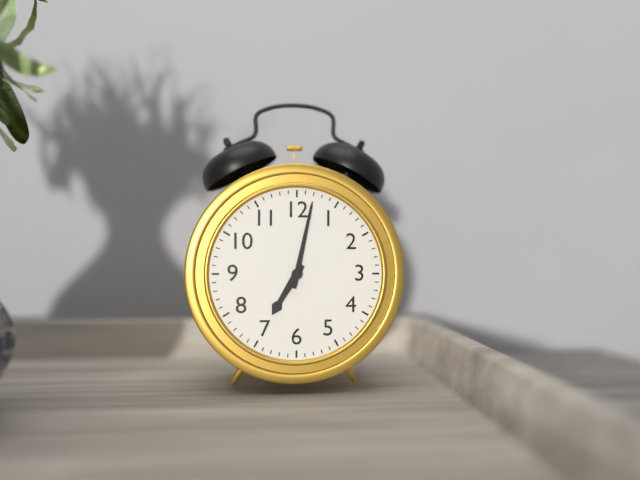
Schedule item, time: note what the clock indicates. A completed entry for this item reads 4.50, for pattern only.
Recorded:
7.02
